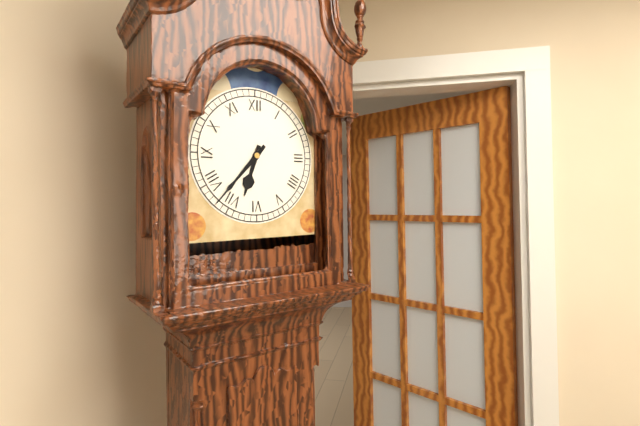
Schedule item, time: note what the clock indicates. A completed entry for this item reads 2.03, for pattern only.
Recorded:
6.37
